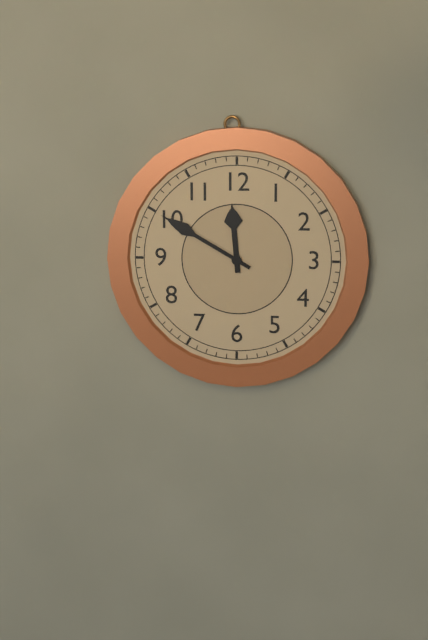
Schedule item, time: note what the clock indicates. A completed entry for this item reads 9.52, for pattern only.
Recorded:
11.50
